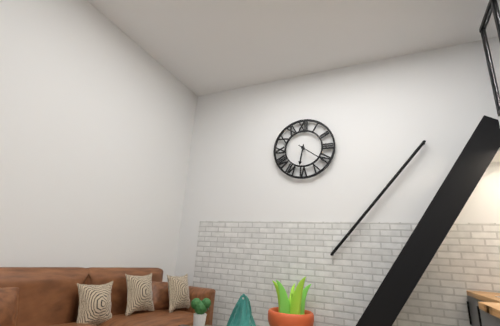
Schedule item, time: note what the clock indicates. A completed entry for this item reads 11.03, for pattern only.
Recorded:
6.21
